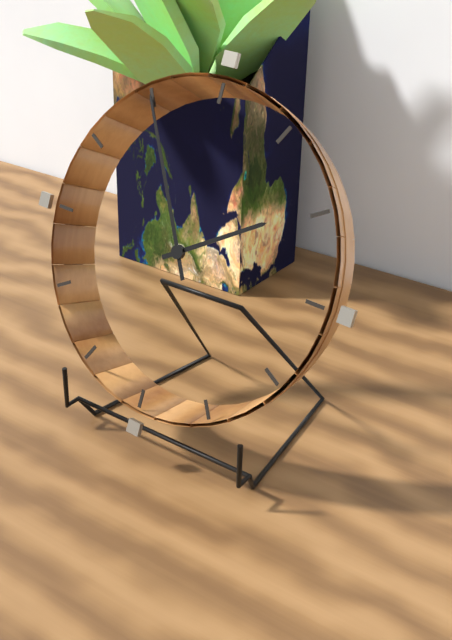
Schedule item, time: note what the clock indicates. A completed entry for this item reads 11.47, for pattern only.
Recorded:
1.55
